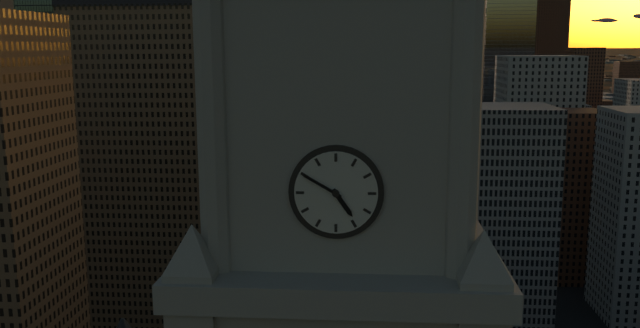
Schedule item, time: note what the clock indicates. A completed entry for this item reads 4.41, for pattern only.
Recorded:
4.50
